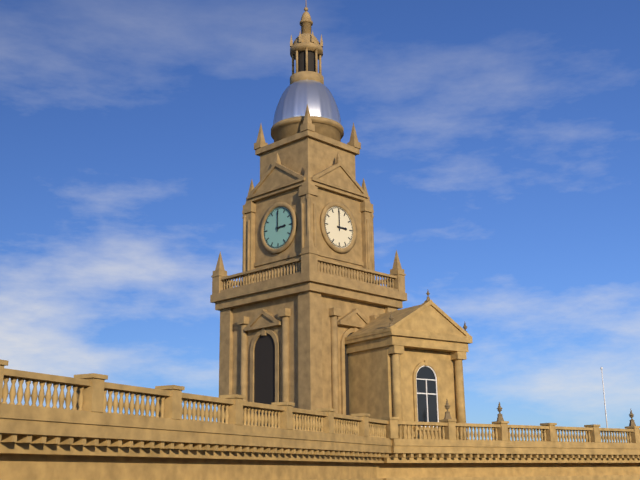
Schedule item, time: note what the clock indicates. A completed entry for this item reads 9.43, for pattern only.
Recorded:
3.00
